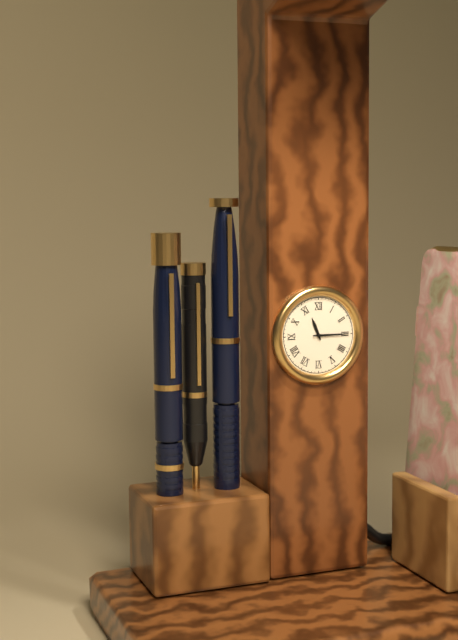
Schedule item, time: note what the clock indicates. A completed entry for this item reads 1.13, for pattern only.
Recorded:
11.15
